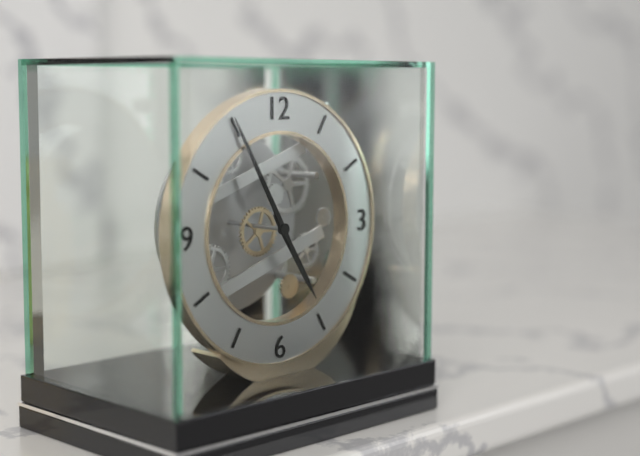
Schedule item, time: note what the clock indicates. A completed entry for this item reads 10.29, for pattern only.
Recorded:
4.55
